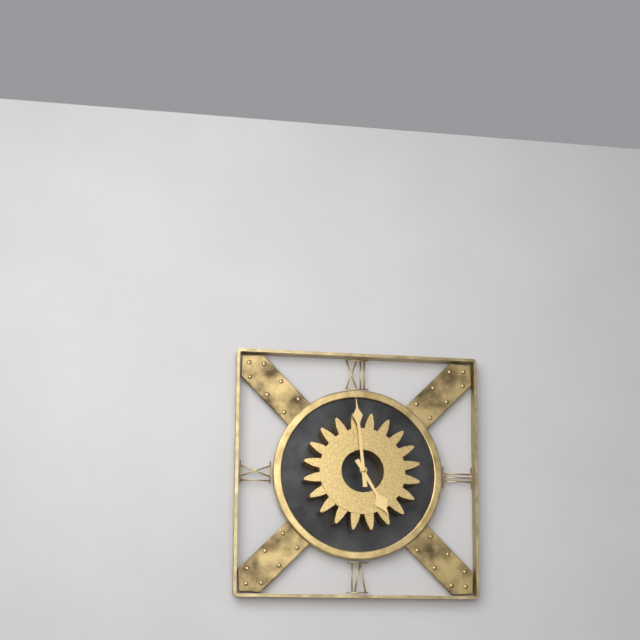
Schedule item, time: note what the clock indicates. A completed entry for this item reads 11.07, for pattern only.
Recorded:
4.59
